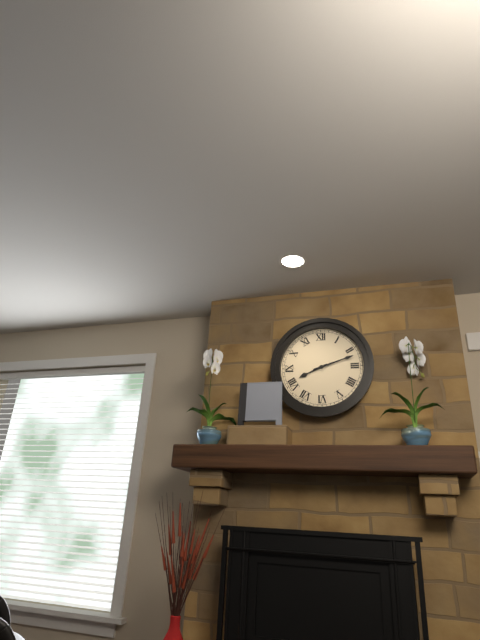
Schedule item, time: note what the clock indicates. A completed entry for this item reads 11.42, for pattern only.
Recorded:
8.12
